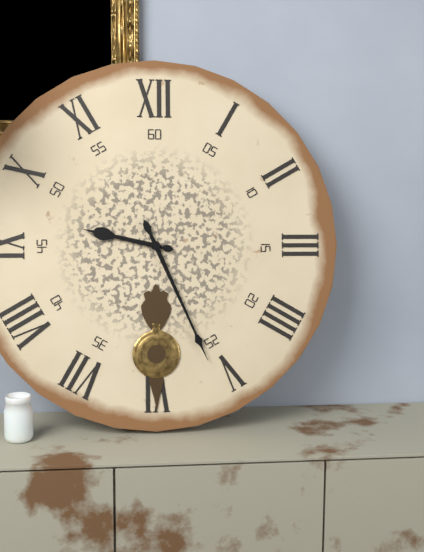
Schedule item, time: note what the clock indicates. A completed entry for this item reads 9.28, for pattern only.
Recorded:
9.26
